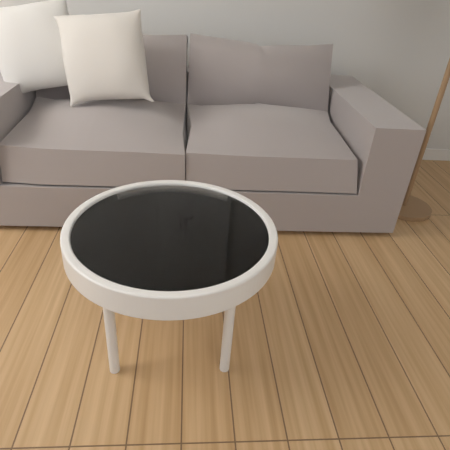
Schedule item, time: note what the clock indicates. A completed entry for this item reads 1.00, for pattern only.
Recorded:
3.44
